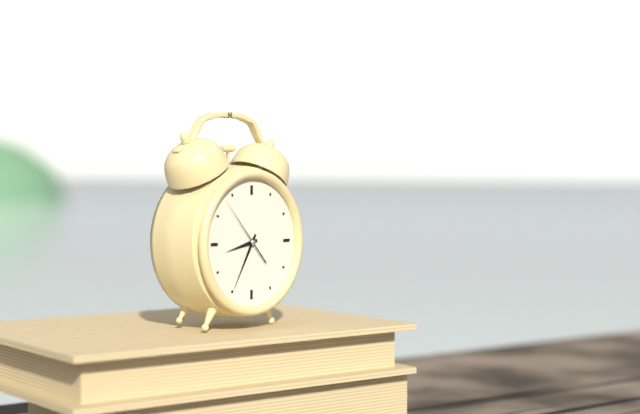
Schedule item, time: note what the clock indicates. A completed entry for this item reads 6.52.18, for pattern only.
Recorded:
8.35.53
